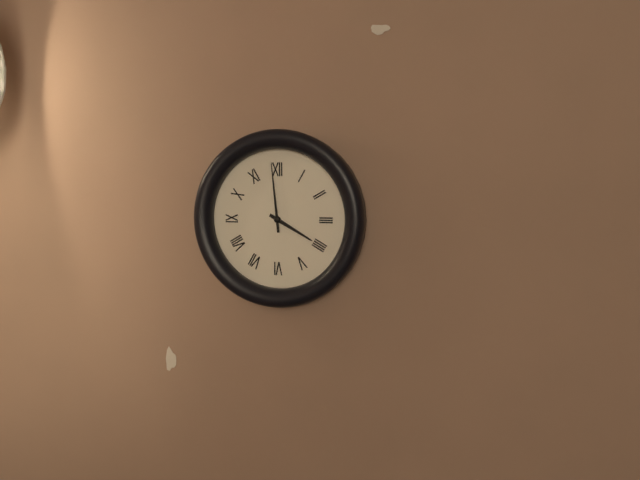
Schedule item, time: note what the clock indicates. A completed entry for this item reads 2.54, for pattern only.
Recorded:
3.59
